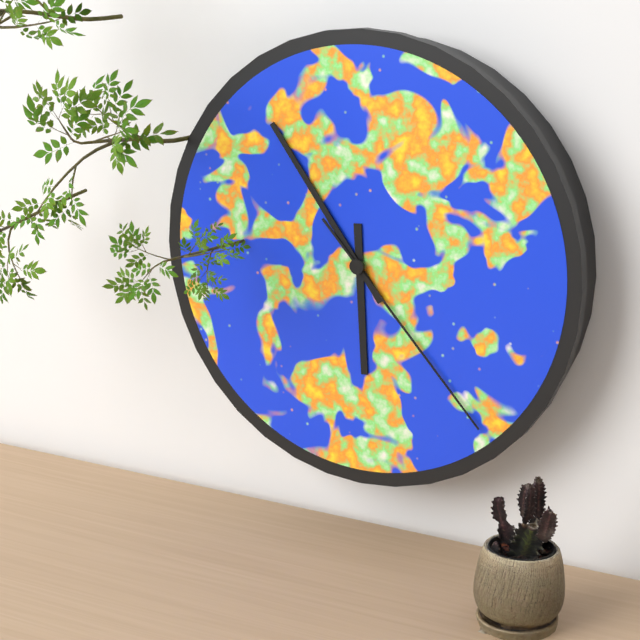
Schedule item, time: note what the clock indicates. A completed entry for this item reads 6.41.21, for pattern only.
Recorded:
5.54.23
